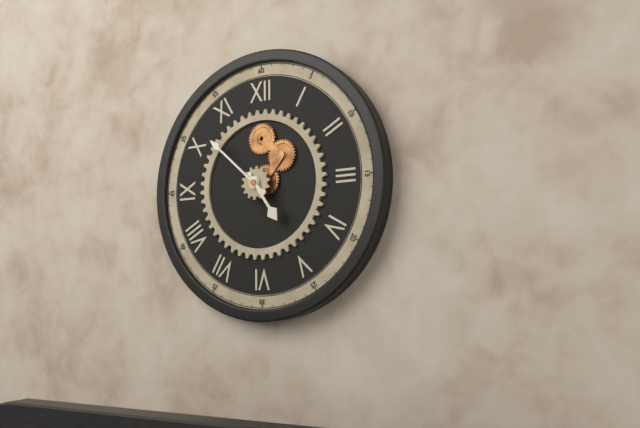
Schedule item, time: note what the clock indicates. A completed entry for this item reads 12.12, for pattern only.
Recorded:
4.52
